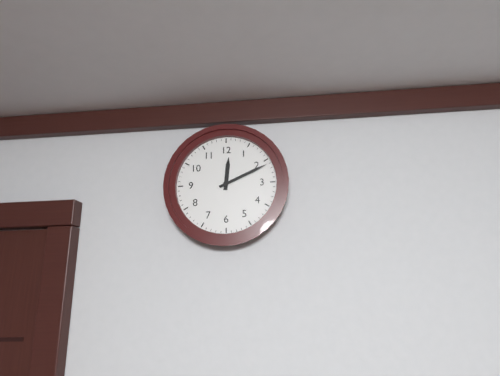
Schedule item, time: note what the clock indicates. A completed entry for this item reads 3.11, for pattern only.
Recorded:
12.11
